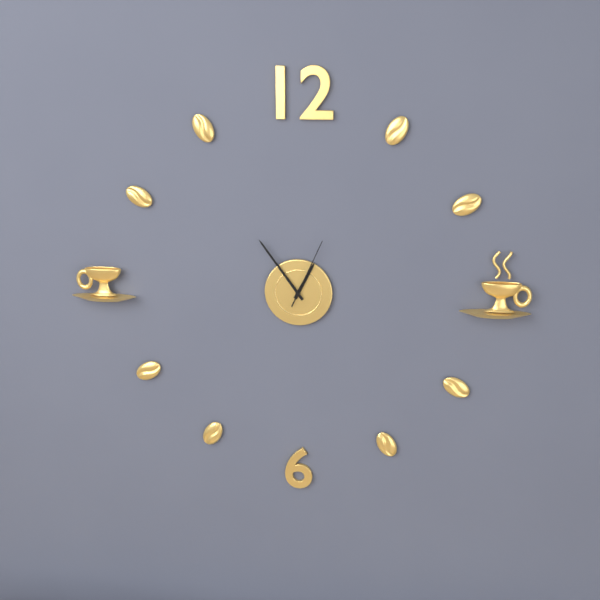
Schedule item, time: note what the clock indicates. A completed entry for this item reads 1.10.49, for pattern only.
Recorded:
12.54.04
